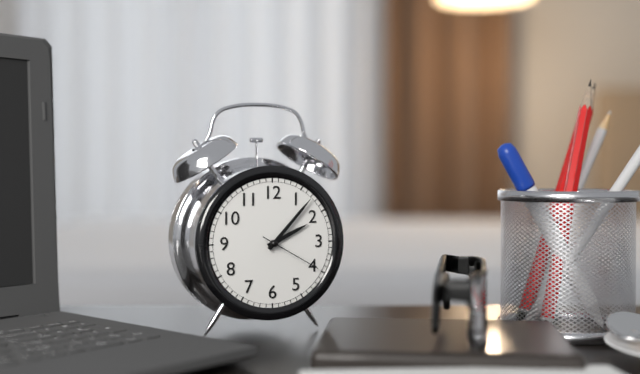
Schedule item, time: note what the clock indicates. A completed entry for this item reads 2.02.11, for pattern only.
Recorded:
2.07.20
